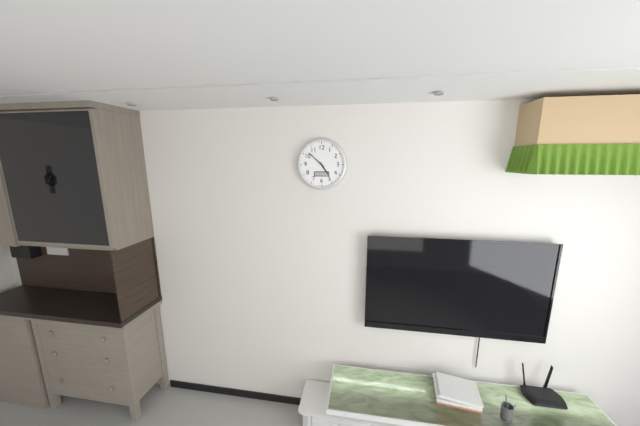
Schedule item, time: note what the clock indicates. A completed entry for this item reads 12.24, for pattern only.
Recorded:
4.52
